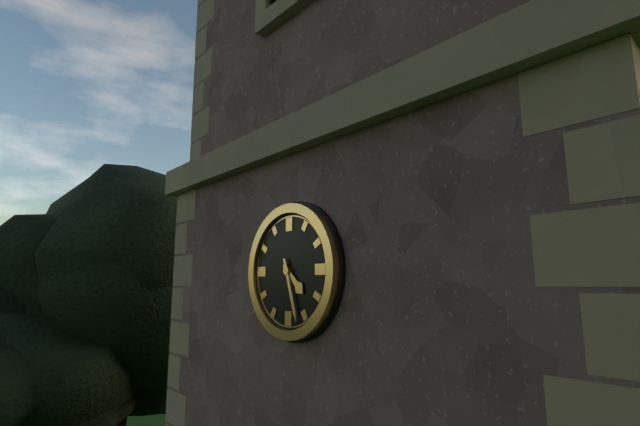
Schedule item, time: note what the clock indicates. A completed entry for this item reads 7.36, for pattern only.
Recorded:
4.27
